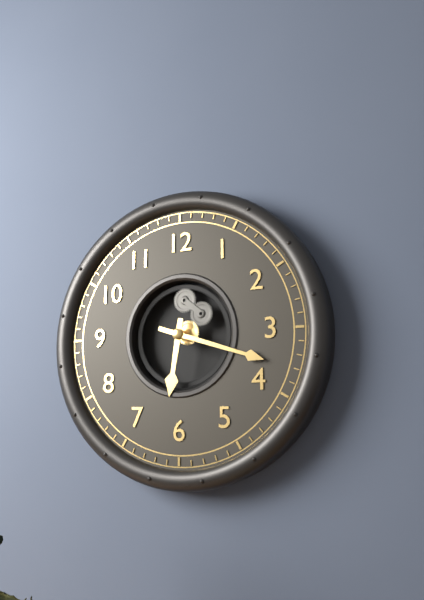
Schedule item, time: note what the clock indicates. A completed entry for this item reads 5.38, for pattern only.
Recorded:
6.18
